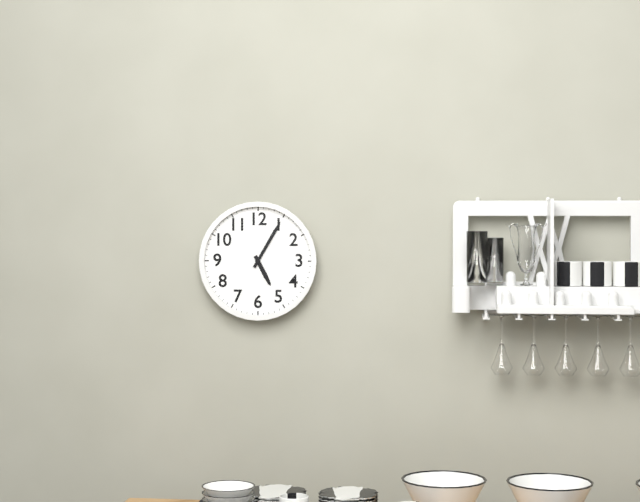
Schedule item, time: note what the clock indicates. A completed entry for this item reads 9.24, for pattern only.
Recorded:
5.05
